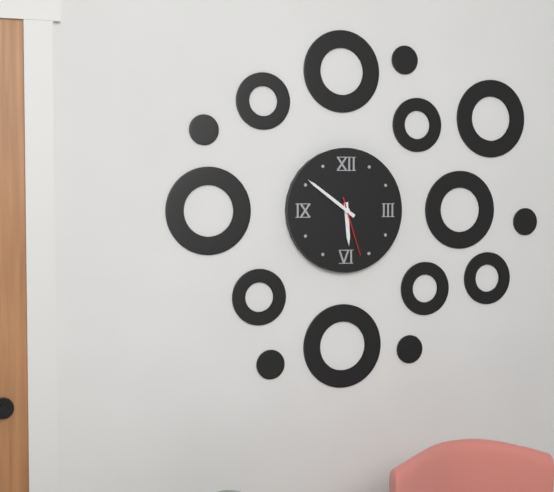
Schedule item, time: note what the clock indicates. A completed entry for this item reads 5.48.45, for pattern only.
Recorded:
5.51.27
